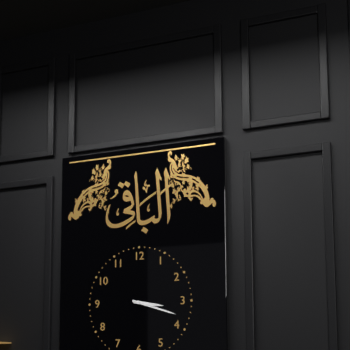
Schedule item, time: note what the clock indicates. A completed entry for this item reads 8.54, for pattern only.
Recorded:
3.18
